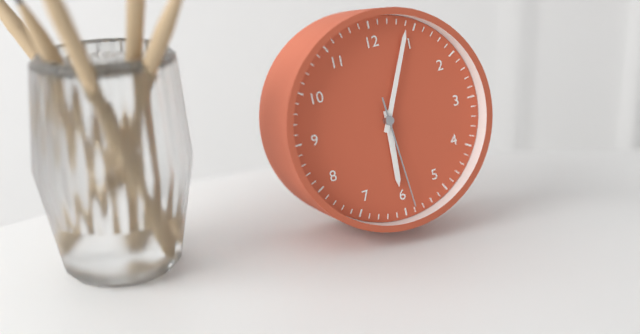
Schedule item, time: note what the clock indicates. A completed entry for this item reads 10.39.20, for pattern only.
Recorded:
6.04.29
